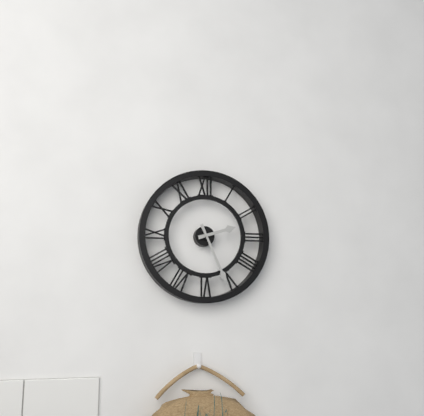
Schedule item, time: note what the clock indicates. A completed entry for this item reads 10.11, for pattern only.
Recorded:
2.26
